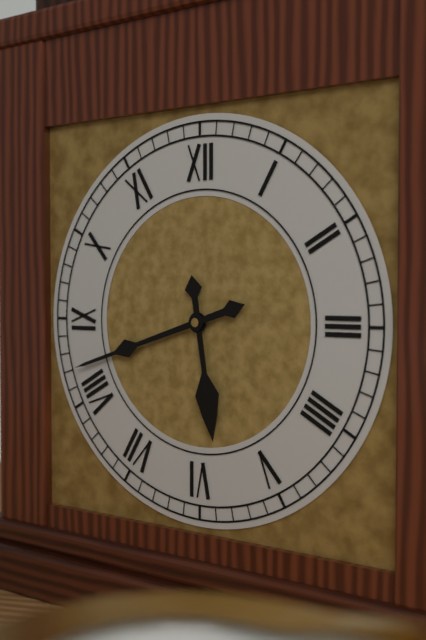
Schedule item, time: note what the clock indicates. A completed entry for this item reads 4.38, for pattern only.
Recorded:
5.42
